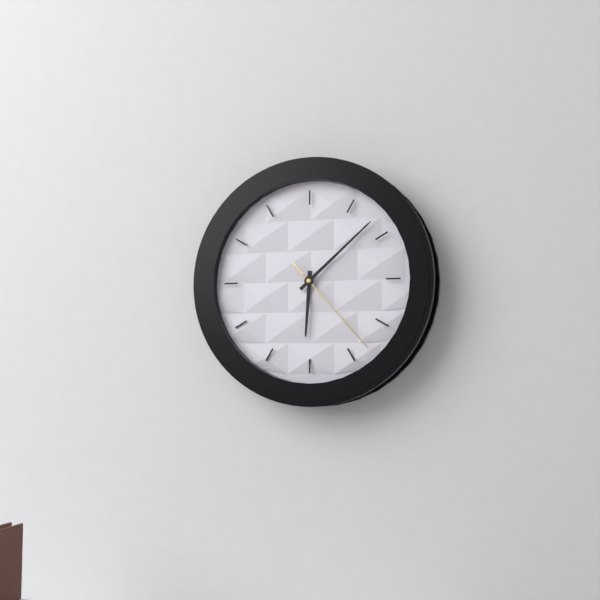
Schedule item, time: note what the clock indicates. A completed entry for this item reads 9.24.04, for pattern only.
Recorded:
6.08.23
